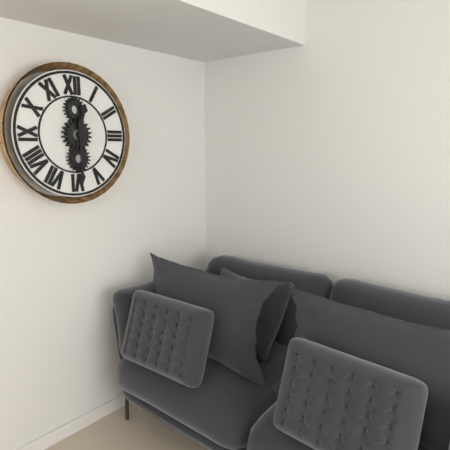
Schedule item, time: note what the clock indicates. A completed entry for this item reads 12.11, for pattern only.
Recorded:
12.30
